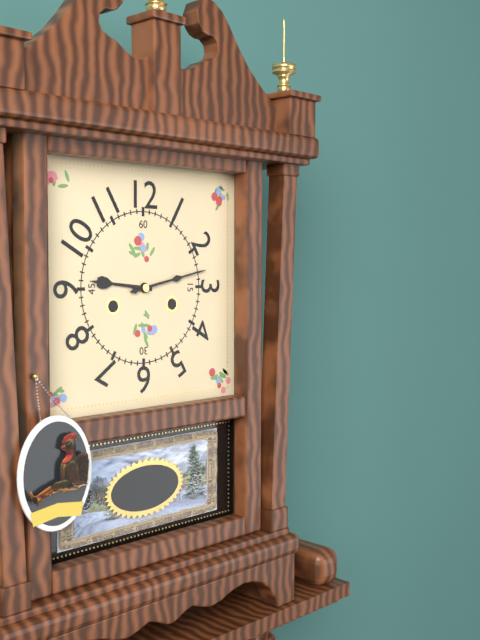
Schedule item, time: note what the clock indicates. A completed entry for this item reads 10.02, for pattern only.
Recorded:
9.13
